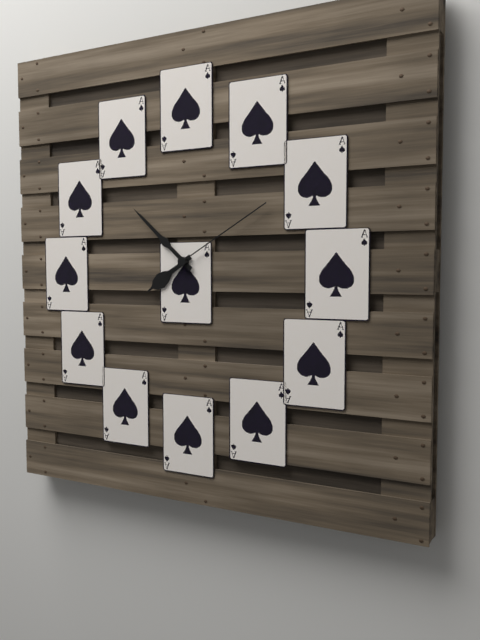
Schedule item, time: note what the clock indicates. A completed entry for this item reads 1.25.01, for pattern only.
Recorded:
7.52.10
